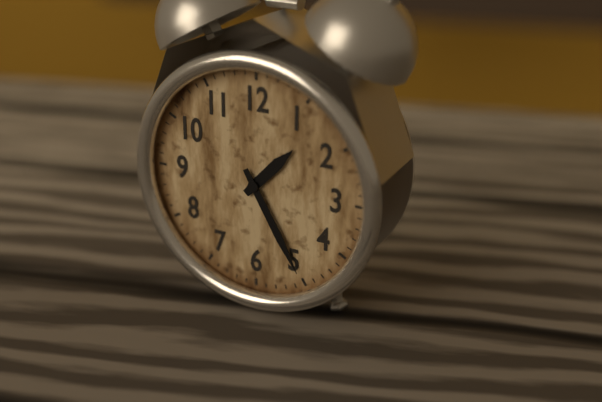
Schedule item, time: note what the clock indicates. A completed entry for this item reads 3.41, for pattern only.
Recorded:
1.25
